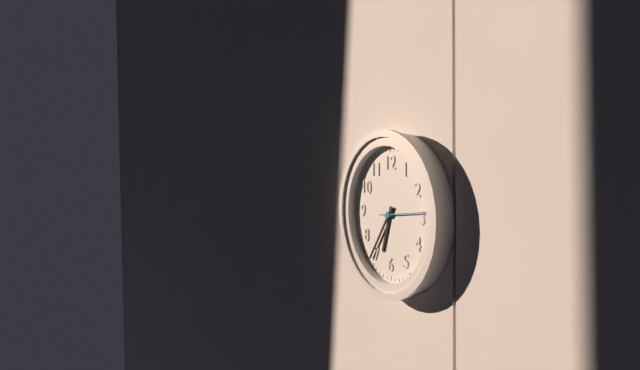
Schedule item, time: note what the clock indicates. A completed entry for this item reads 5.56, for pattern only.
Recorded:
6.36
